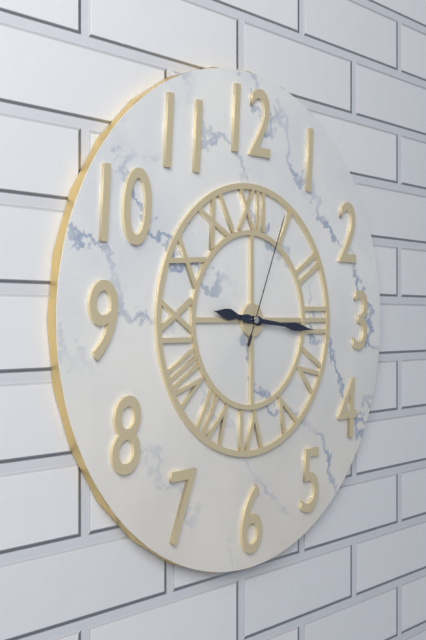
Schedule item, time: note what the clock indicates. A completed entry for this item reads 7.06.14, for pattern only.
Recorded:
9.16.04
